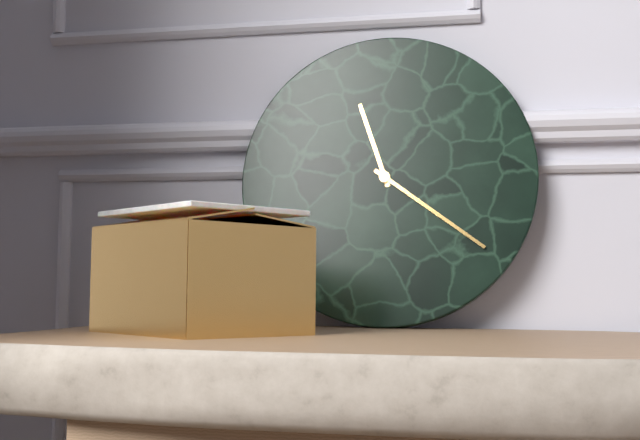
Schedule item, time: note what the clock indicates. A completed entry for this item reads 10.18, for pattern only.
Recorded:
11.21
